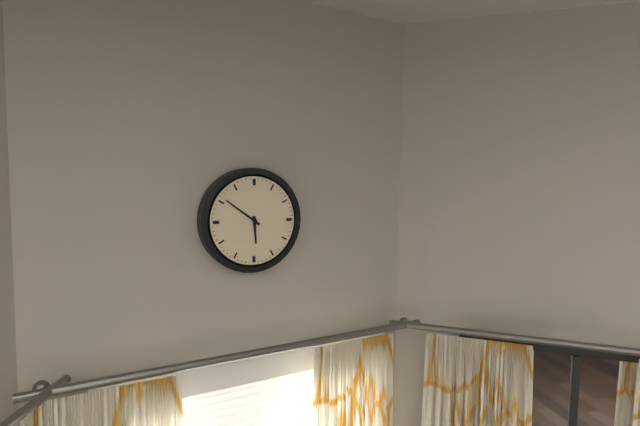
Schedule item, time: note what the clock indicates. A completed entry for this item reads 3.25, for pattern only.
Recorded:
5.51
